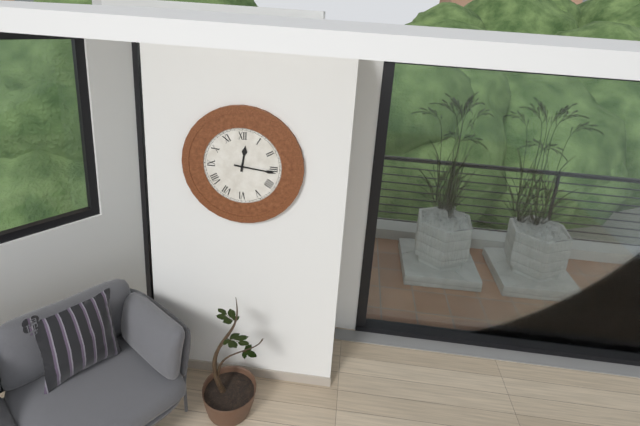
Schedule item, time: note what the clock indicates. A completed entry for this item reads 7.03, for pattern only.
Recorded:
12.16
